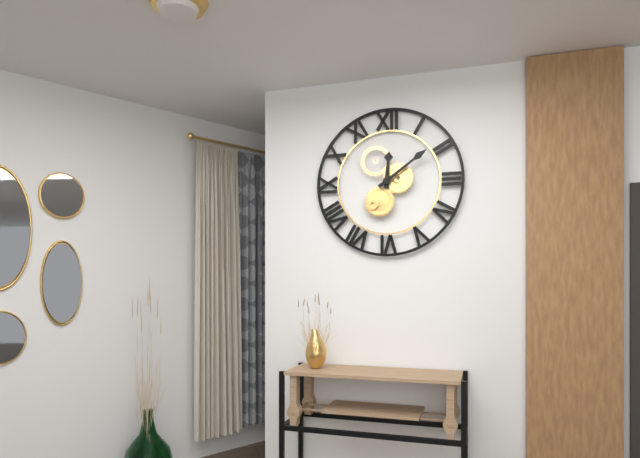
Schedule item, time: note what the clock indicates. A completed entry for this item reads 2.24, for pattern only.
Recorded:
12.09
